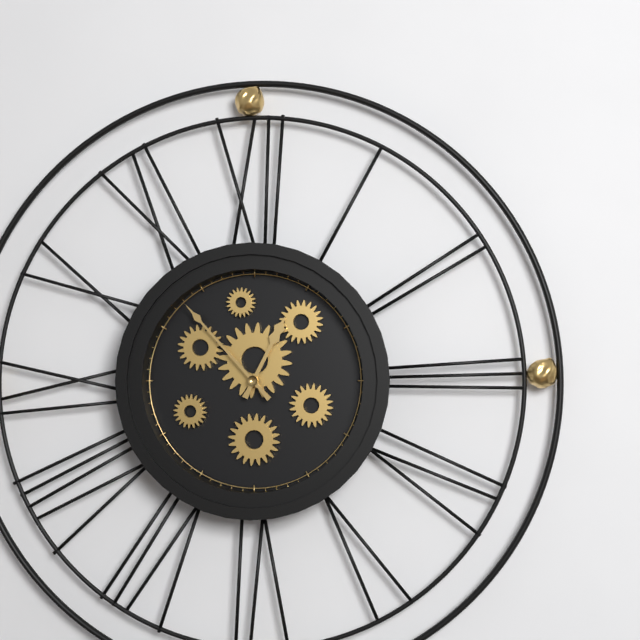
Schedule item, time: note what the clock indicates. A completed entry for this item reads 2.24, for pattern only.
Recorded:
12.53
